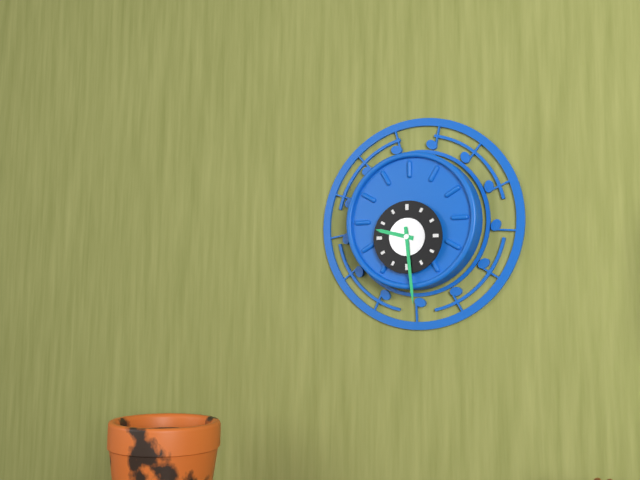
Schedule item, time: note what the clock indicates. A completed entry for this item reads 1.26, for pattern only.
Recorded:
9.29
